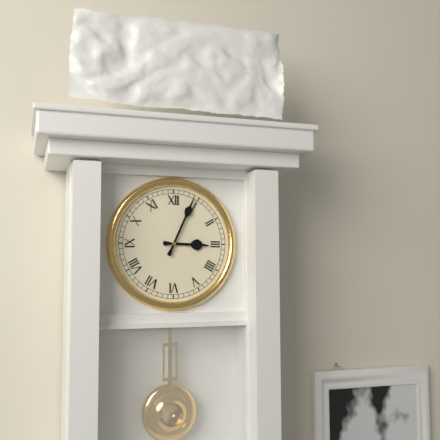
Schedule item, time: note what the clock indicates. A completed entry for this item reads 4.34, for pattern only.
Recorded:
3.04
